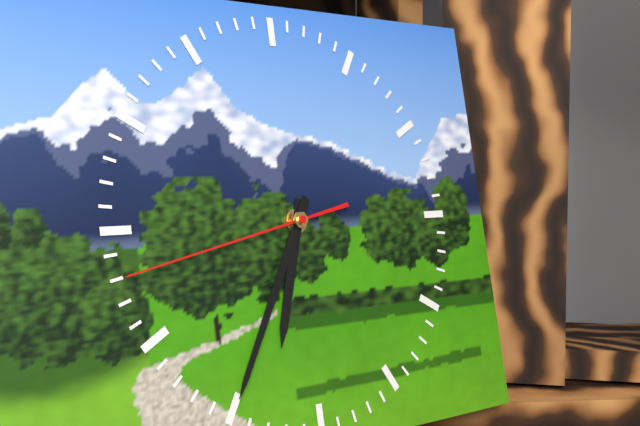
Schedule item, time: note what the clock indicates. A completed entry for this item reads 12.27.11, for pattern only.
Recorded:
6.35.43
